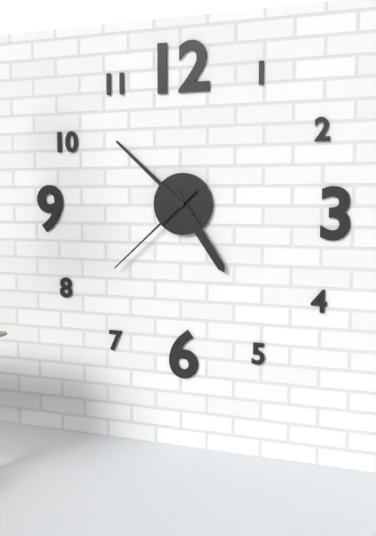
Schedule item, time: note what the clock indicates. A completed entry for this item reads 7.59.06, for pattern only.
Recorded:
4.52.38
